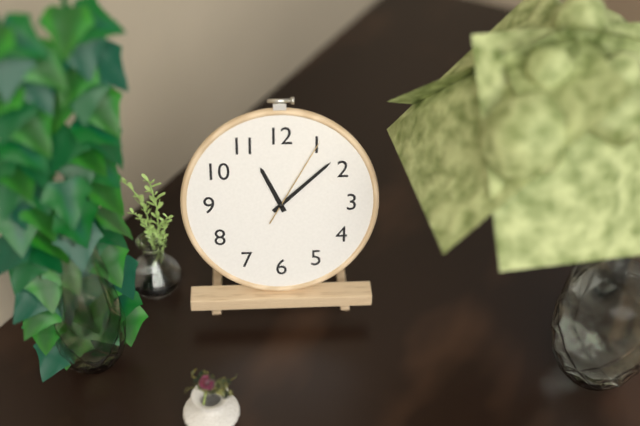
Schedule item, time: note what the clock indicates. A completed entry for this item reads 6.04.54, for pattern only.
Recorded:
11.08.05
